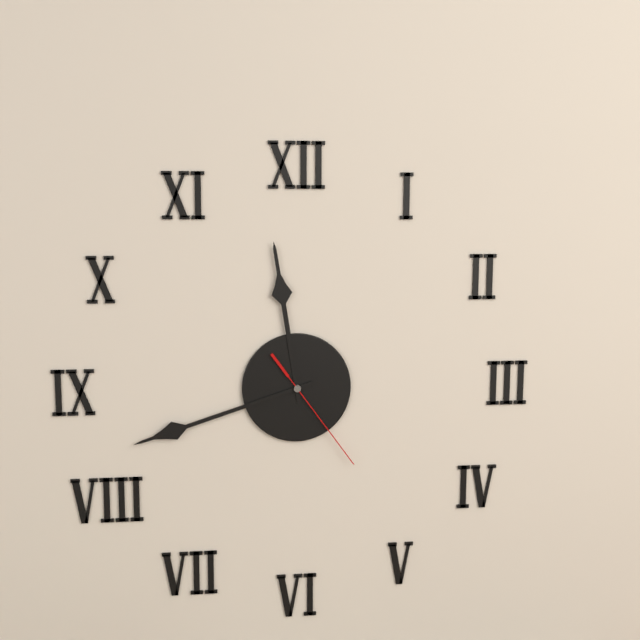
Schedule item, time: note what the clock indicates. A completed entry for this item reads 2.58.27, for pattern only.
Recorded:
11.42.24
